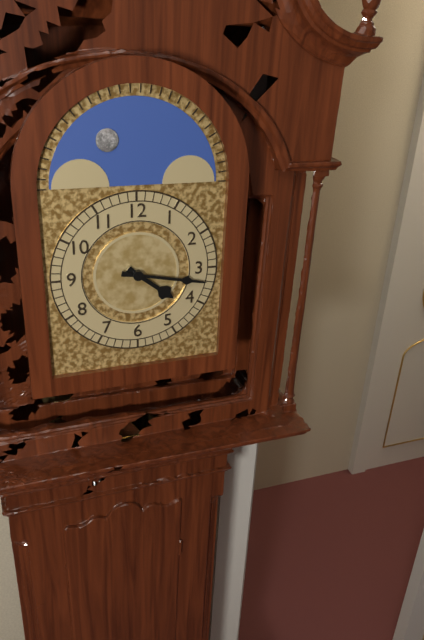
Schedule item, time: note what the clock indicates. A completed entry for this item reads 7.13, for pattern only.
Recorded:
4.17
